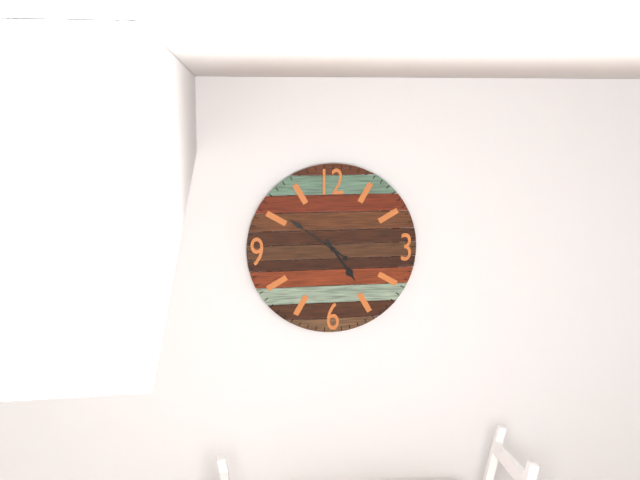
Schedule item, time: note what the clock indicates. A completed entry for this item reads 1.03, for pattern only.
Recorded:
4.51
